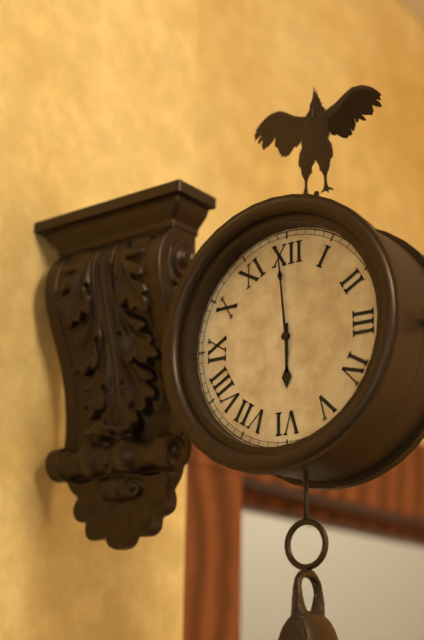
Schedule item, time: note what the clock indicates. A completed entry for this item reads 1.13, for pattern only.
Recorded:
5.59
